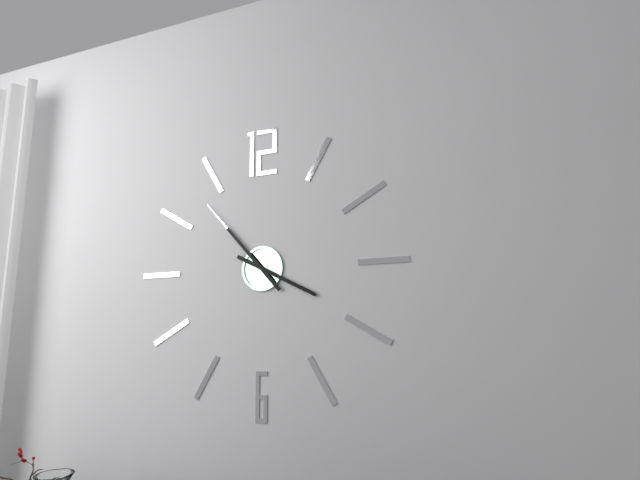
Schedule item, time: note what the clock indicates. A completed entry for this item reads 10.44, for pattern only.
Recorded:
3.53
